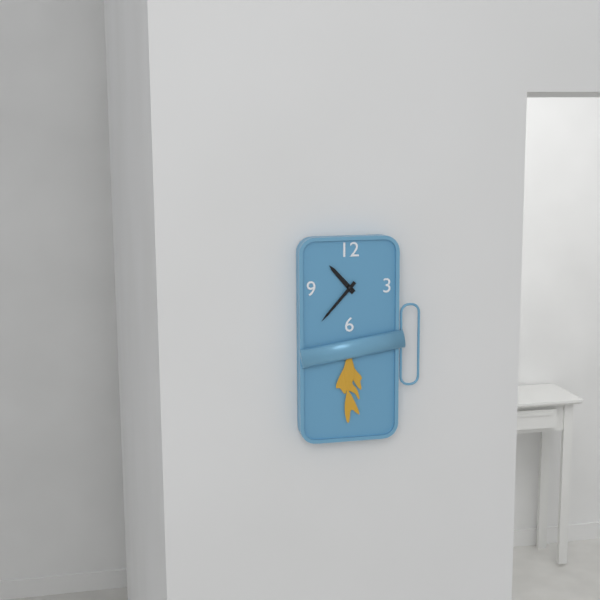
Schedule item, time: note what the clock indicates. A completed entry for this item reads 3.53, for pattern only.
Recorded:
10.37
